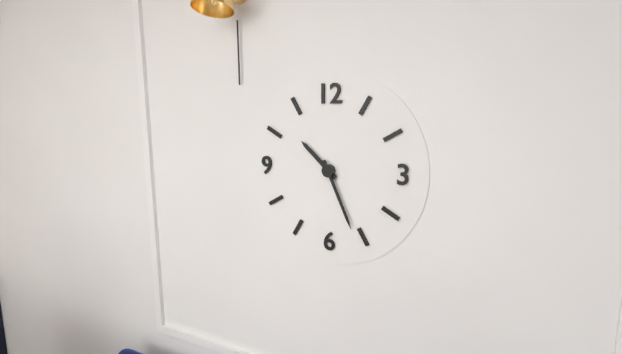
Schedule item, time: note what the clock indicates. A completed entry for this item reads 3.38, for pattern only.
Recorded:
10.26
